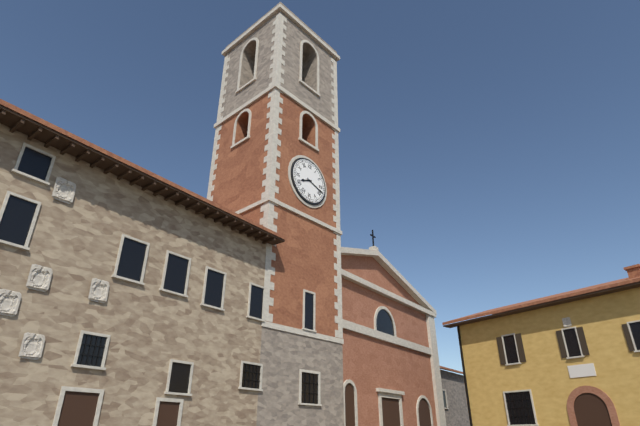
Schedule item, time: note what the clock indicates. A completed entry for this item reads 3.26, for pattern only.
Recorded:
8.18
